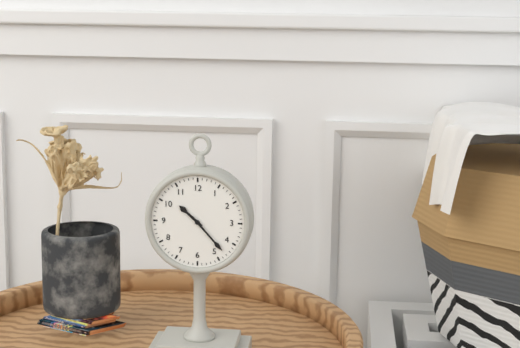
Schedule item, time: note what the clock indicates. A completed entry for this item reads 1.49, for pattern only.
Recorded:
10.23
